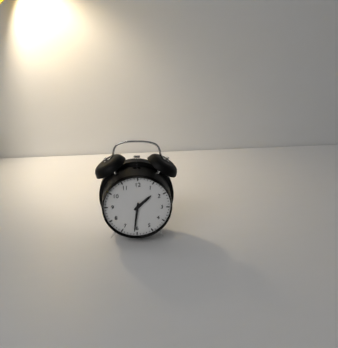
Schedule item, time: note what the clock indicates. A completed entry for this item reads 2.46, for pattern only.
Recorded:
1.31
